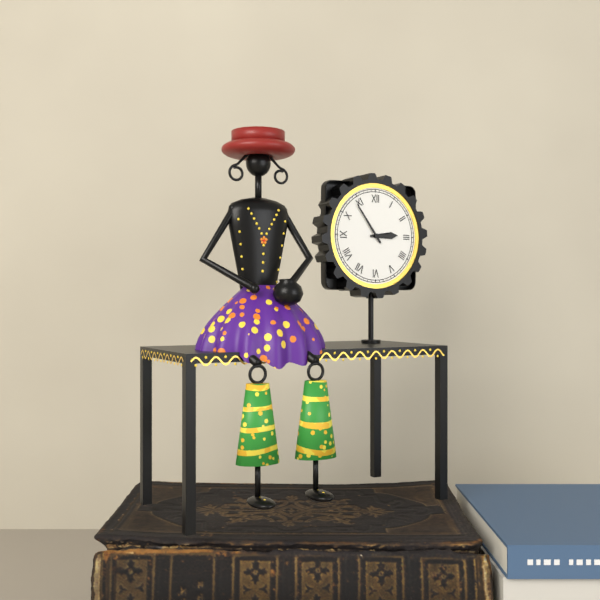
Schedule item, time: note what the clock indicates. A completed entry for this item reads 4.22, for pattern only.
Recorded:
2.54
